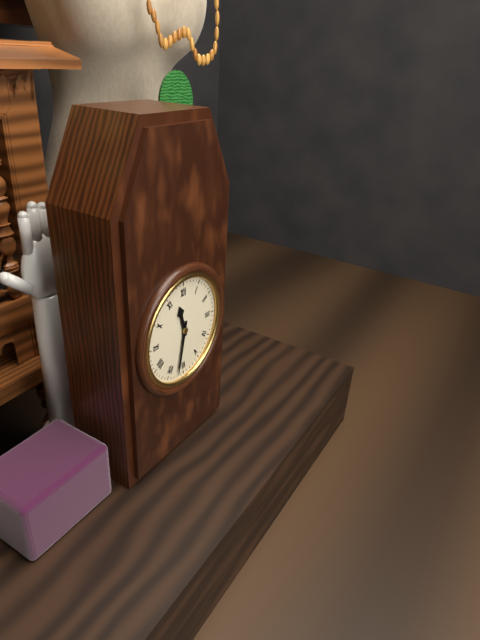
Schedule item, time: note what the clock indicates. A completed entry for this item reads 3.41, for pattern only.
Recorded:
11.32
